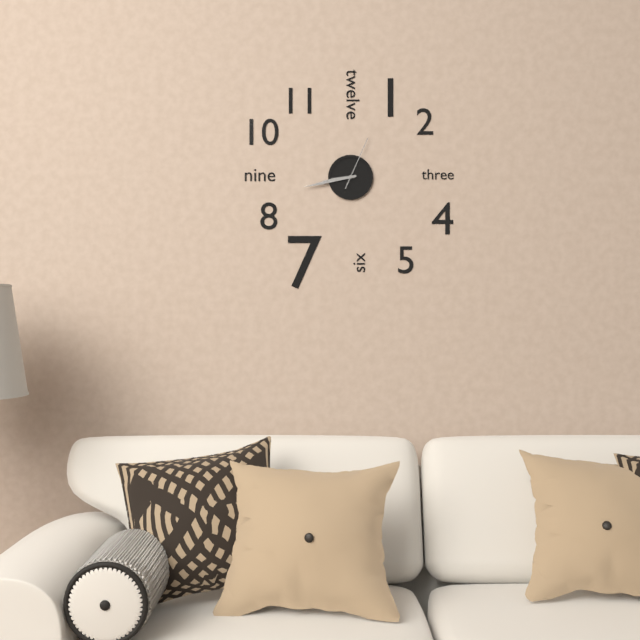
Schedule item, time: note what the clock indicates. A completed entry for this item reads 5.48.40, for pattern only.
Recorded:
8.43.04
